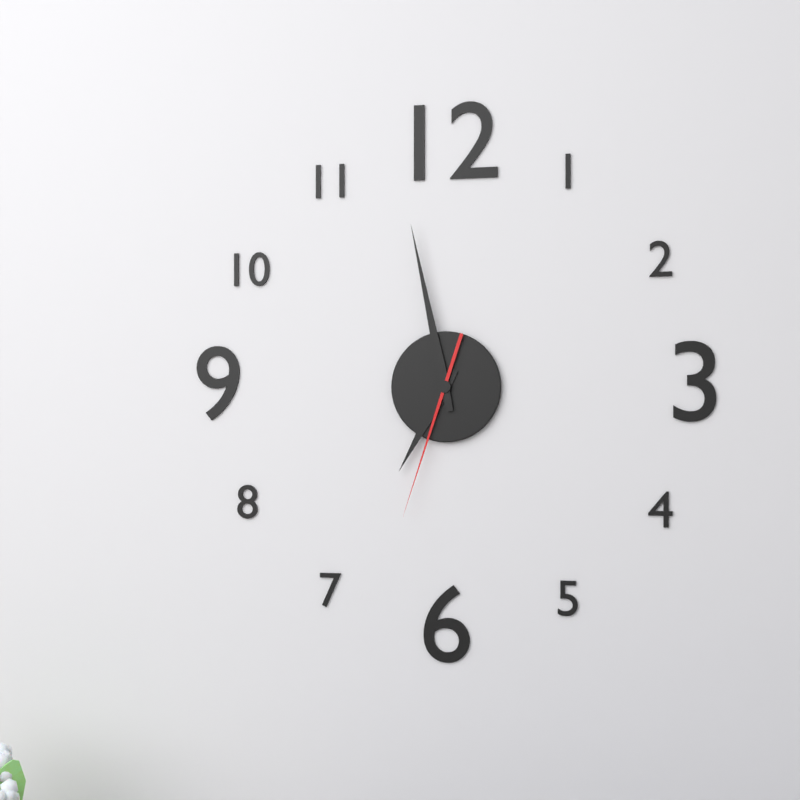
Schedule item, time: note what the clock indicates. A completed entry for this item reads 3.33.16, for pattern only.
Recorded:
6.58.33
